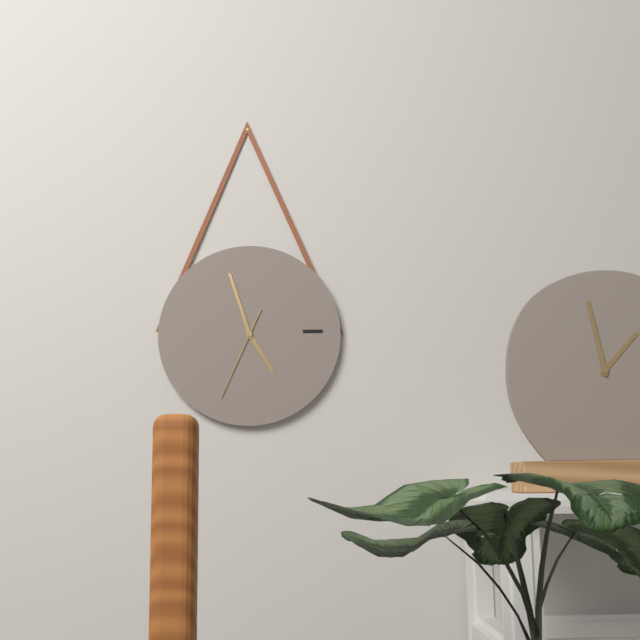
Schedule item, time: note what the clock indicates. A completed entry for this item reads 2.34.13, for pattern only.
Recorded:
4.57.34
